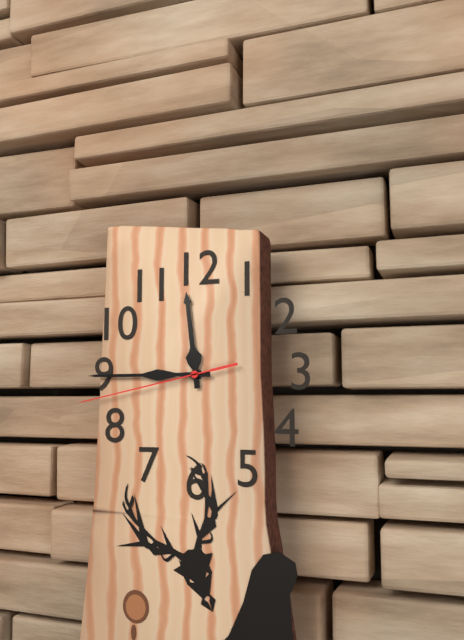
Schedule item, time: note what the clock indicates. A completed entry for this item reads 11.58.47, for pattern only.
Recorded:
11.45.43
